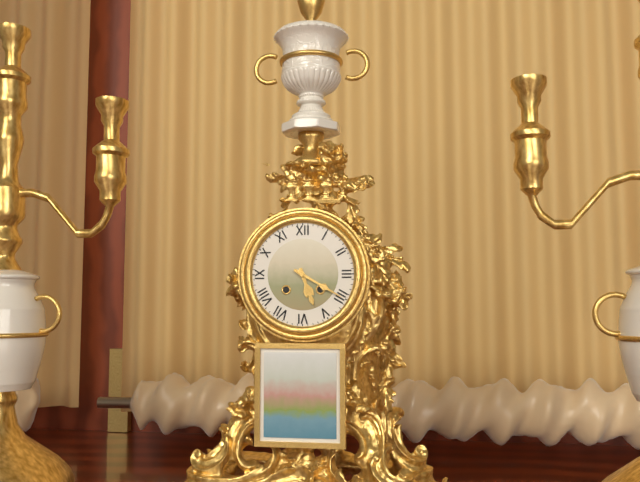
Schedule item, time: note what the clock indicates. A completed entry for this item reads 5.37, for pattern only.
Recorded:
5.20
